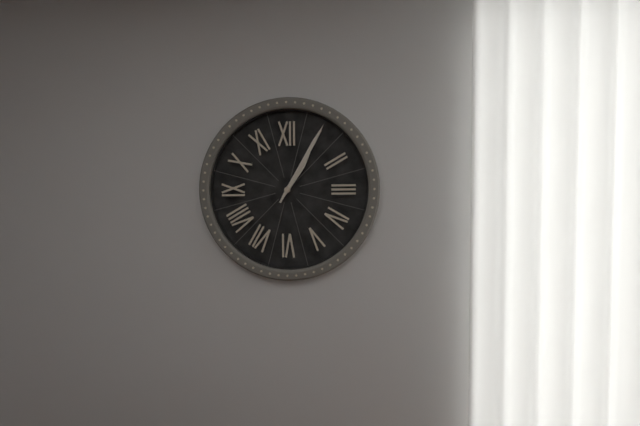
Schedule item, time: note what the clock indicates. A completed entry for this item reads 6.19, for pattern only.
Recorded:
1.05
